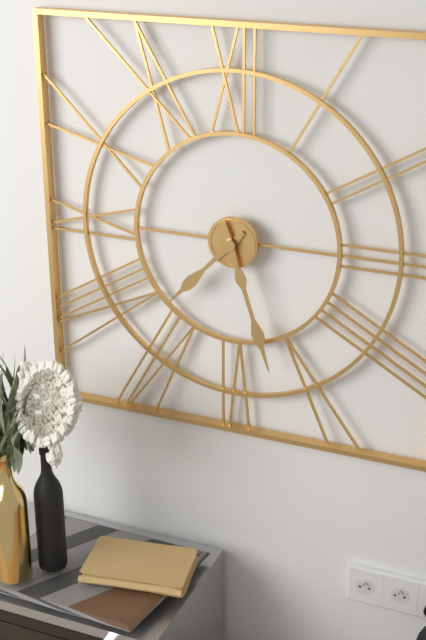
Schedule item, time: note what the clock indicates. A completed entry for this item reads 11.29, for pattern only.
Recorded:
7.27
